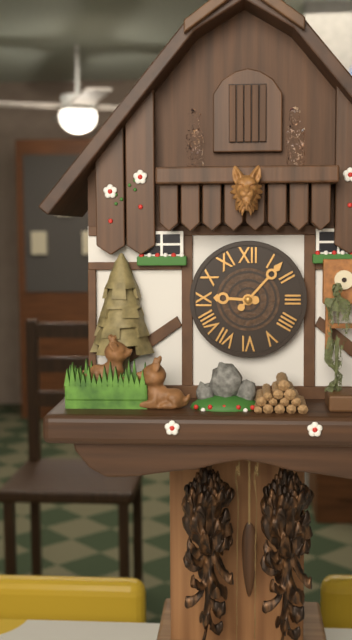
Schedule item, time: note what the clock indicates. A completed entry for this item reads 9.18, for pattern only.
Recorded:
9.07
